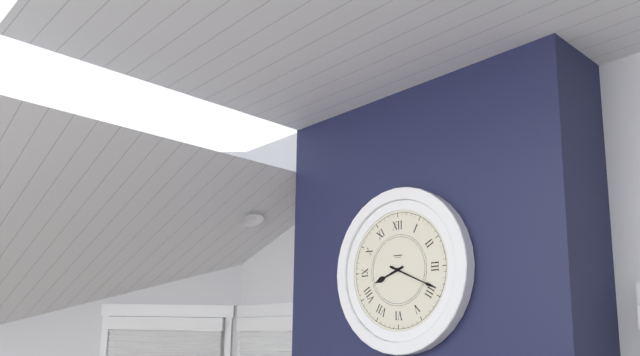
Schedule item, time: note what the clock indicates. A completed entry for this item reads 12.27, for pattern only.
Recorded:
8.19
